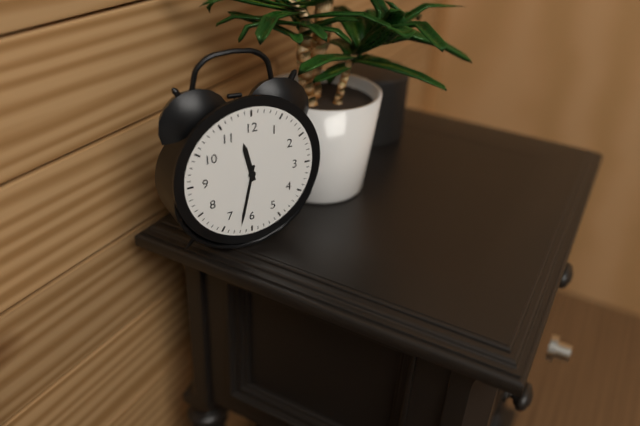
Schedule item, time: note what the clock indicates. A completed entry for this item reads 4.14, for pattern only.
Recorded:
11.32
